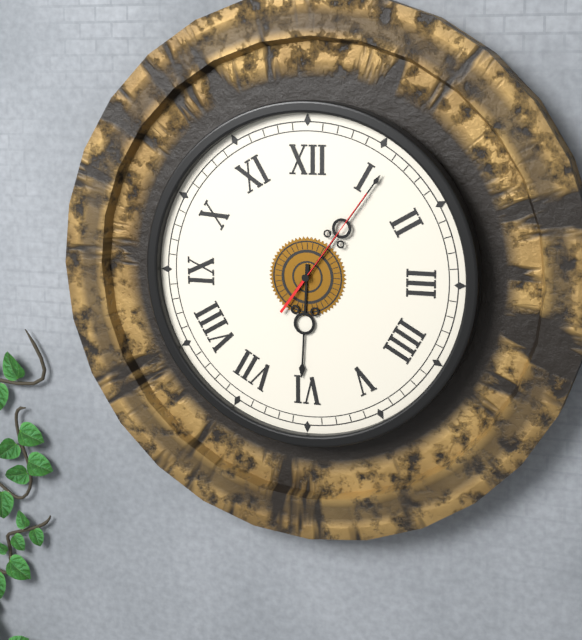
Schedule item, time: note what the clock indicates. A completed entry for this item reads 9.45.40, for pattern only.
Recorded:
6.06.06
